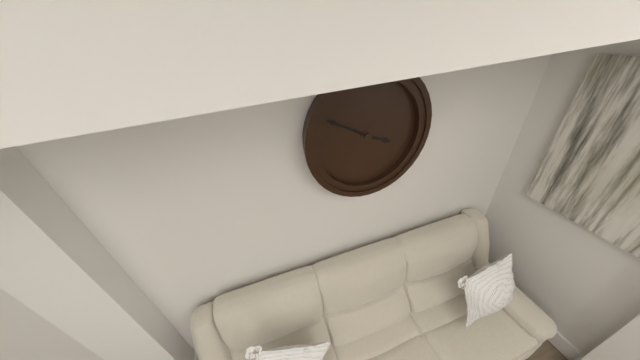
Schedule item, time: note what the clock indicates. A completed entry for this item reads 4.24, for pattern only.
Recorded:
3.50
